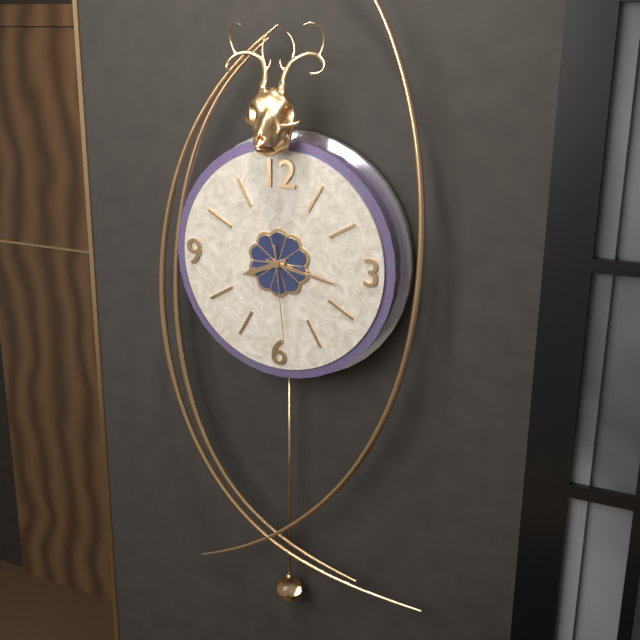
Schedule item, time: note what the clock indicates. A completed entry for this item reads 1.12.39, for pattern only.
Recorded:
8.17.29
